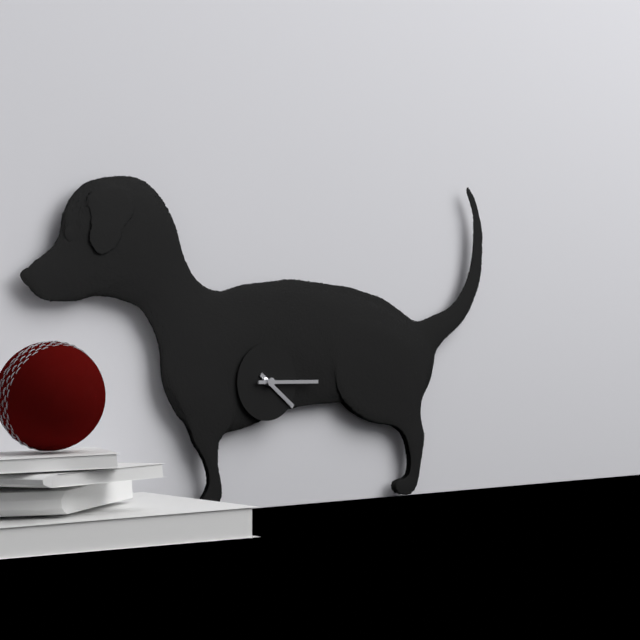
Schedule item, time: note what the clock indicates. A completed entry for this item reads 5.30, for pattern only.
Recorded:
4.15
